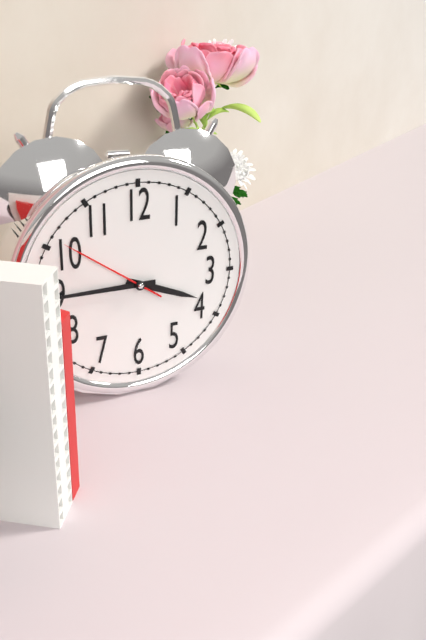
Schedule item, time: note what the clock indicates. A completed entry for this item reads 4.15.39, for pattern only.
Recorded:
3.45.51
